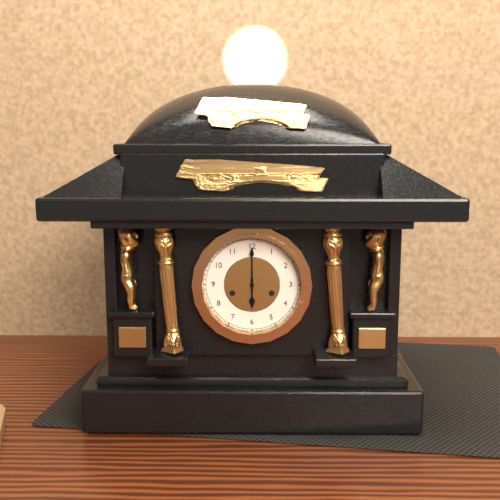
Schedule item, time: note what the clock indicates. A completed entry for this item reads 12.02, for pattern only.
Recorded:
6.00
